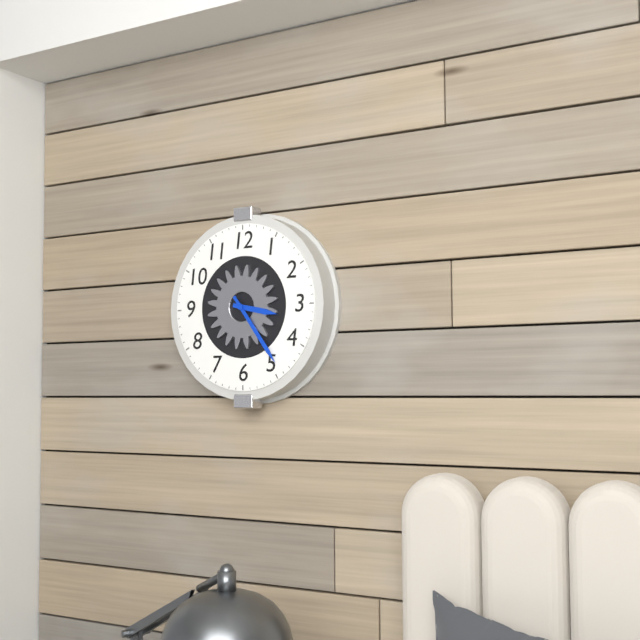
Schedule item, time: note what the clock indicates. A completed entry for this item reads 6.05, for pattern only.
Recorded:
3.24
